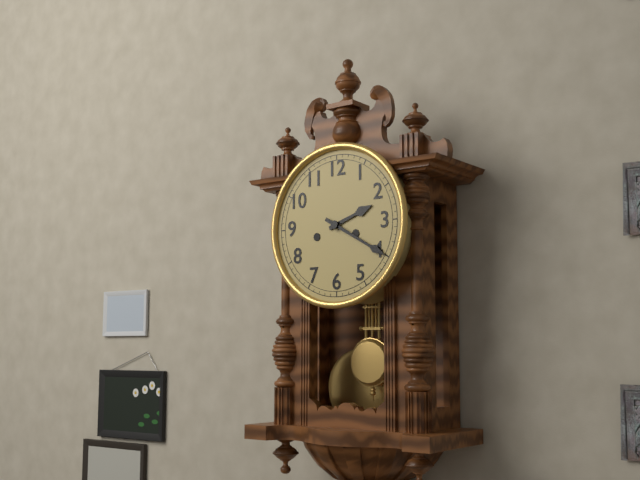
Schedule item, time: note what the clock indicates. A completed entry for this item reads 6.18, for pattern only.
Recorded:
2.20
